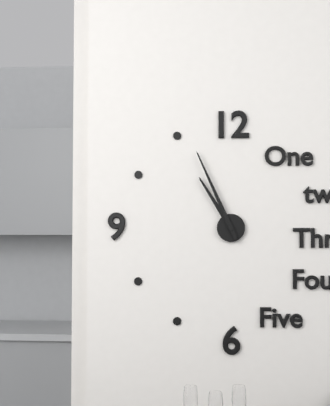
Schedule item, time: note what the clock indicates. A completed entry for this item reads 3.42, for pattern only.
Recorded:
10.56
